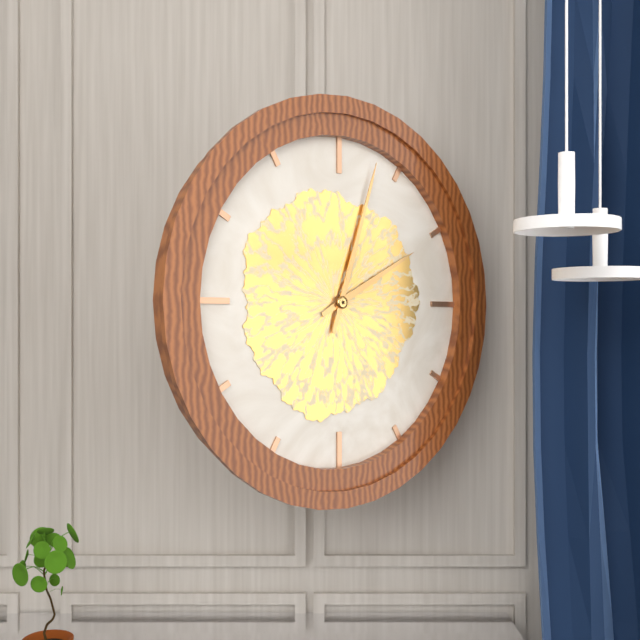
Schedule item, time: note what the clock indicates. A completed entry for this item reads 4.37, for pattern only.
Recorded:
2.03
